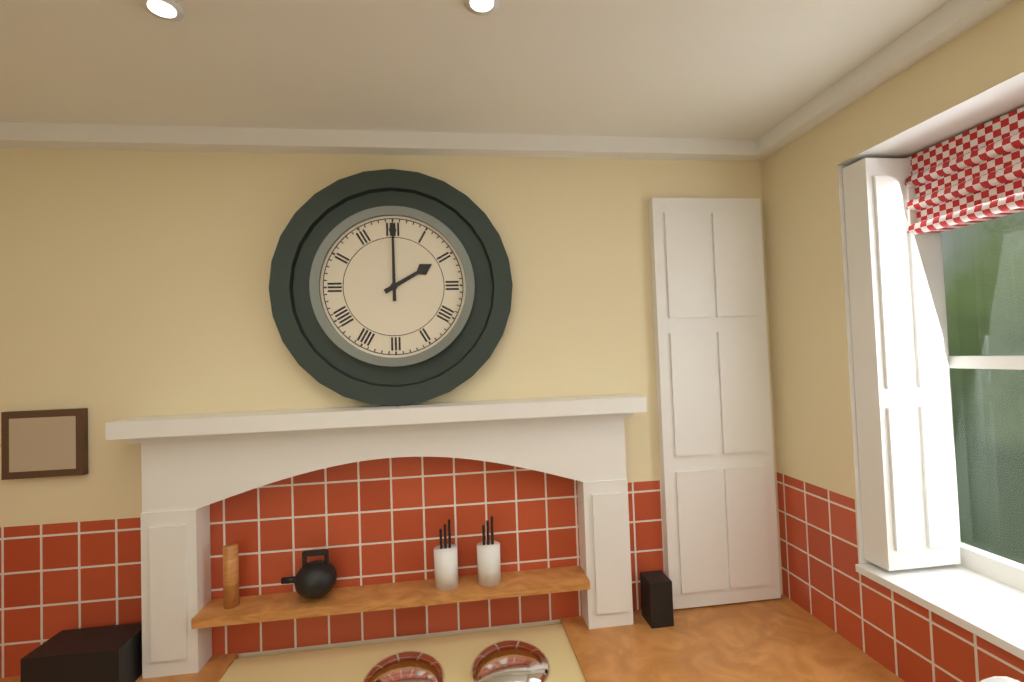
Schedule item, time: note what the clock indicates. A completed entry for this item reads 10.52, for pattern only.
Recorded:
2.00
